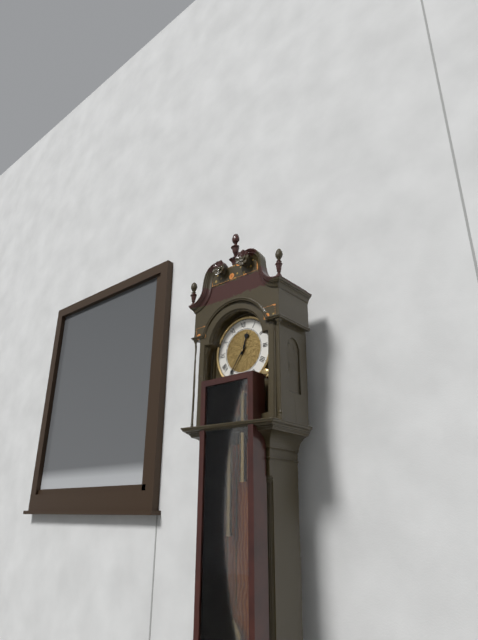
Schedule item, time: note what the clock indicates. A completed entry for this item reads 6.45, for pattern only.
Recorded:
12.36
